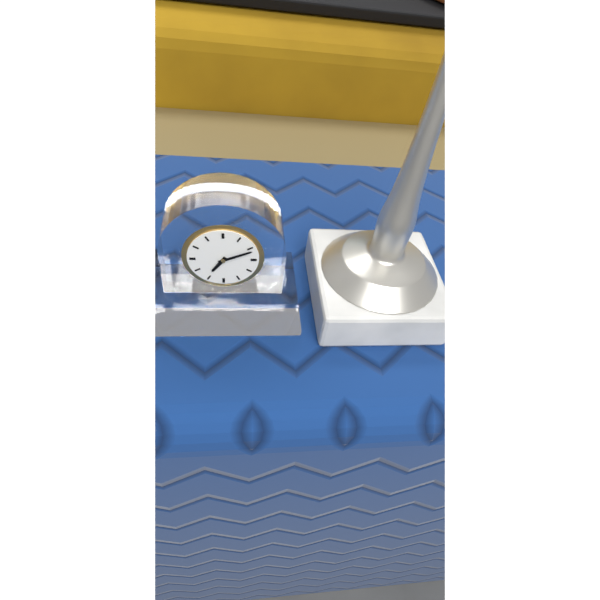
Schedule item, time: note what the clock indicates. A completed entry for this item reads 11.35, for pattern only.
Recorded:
7.11
